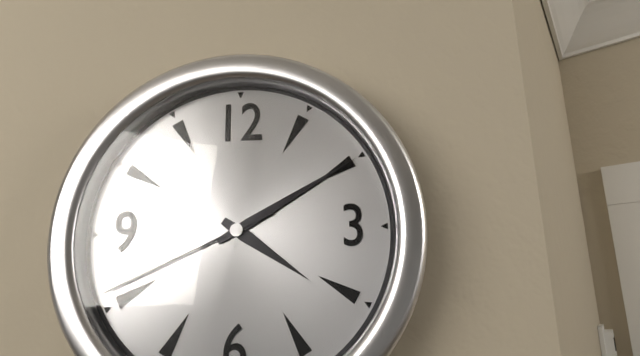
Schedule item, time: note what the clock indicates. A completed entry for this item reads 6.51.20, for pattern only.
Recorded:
4.10.41
